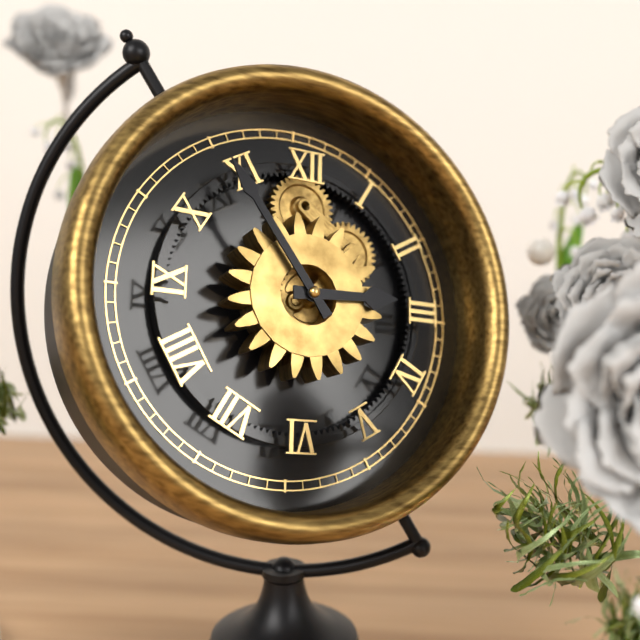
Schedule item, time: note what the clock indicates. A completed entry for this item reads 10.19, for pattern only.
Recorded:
2.54
